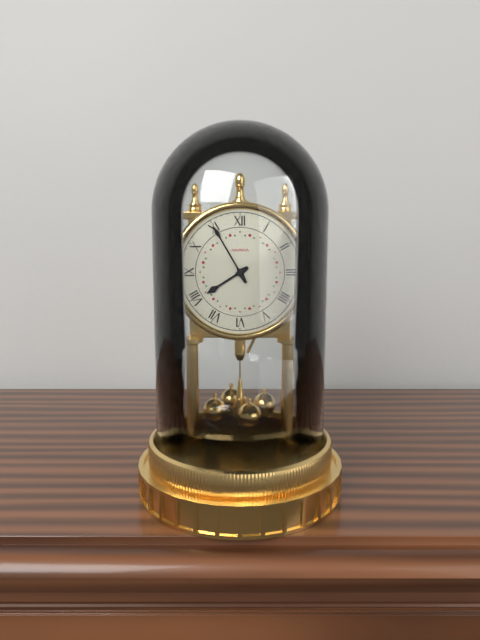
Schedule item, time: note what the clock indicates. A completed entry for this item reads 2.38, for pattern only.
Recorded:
7.55
